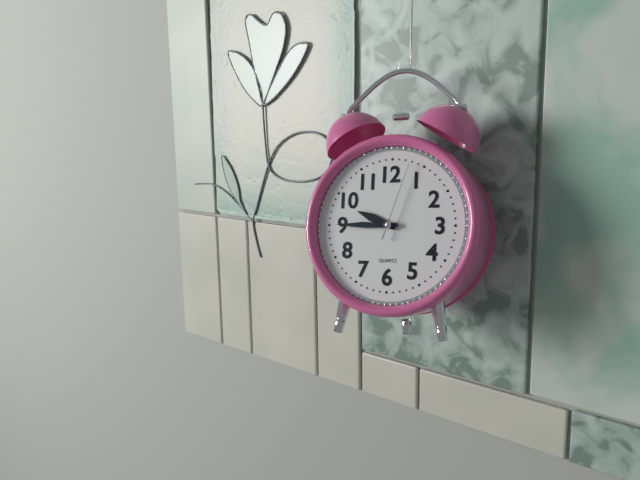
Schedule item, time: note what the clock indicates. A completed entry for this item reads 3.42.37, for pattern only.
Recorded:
9.45.03
